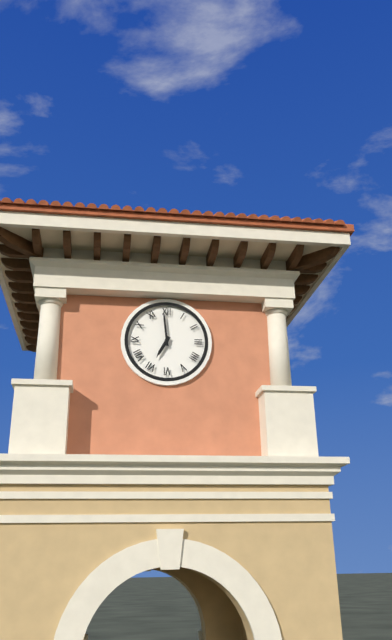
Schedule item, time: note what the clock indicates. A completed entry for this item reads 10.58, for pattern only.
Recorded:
6.59
